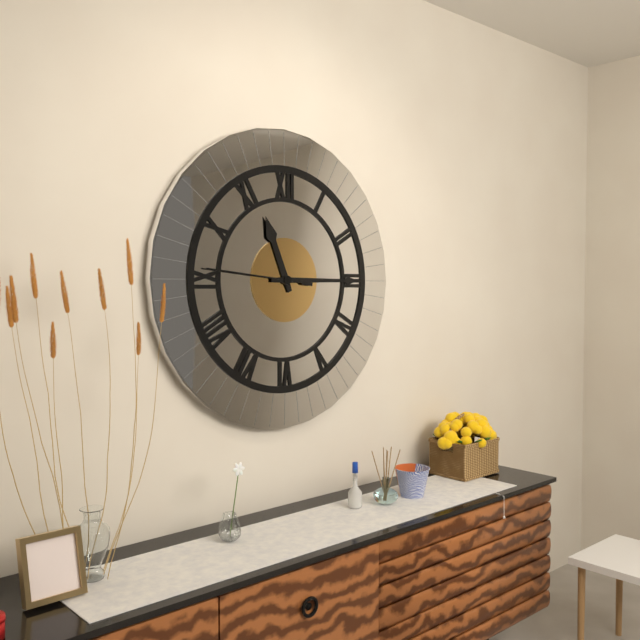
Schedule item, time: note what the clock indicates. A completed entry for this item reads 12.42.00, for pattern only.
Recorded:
11.15.46
